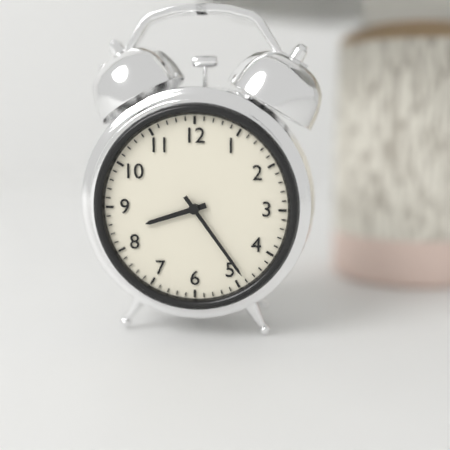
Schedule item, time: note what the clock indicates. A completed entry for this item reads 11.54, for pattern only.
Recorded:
8.24
